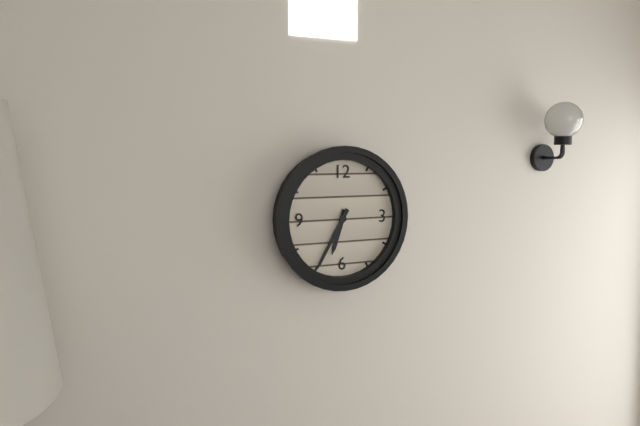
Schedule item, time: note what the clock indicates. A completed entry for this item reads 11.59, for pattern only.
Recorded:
6.35
